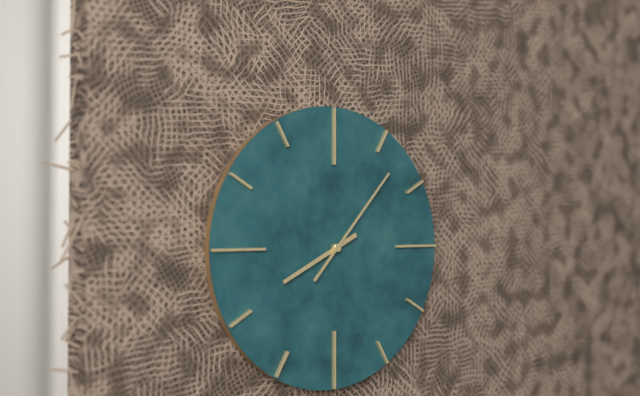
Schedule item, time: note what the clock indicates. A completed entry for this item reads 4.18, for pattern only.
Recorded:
8.07
